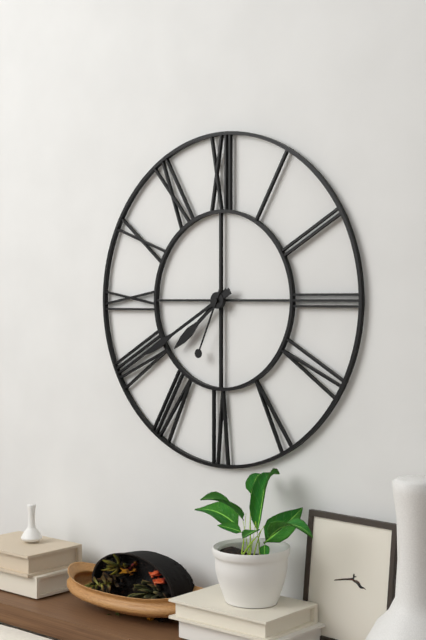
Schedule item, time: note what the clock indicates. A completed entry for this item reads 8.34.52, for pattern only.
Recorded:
7.40.34
